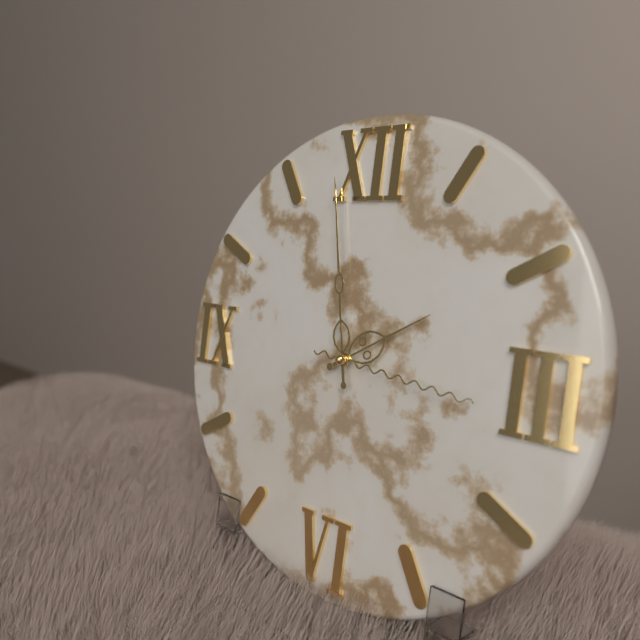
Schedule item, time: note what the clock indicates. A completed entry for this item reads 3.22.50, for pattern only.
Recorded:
1.58.16
